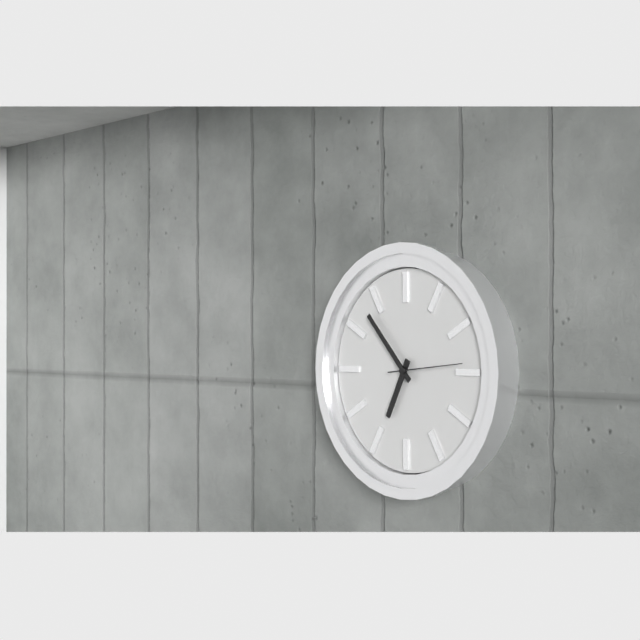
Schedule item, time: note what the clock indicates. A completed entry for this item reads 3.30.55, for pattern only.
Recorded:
6.53.14
